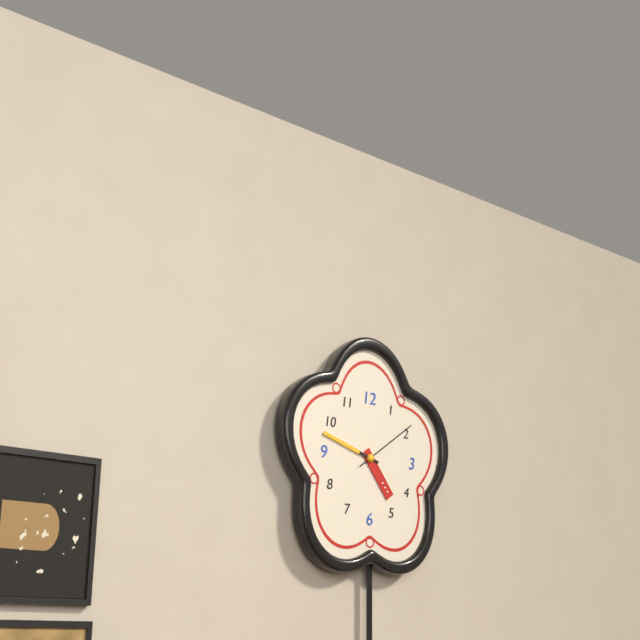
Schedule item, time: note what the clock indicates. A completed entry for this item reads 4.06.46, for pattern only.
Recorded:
4.48.09
